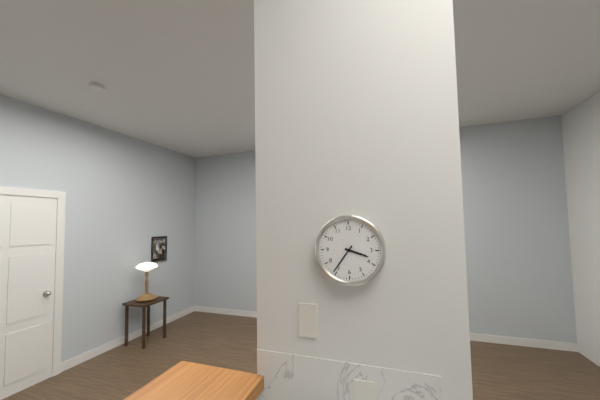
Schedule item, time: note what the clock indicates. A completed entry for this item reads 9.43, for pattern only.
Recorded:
3.36
